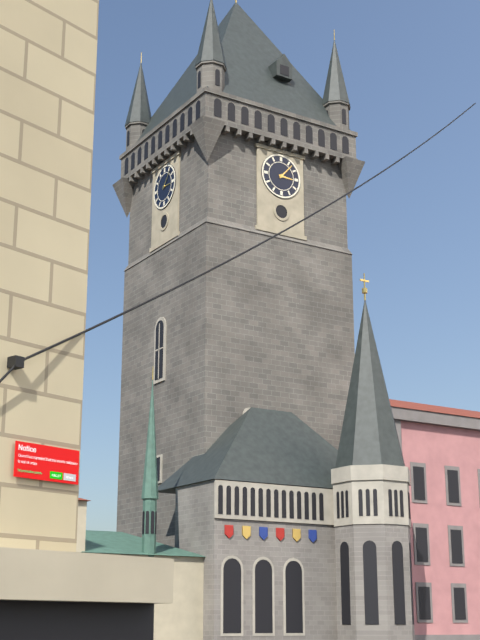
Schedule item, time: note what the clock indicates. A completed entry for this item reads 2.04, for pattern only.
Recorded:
3.07
